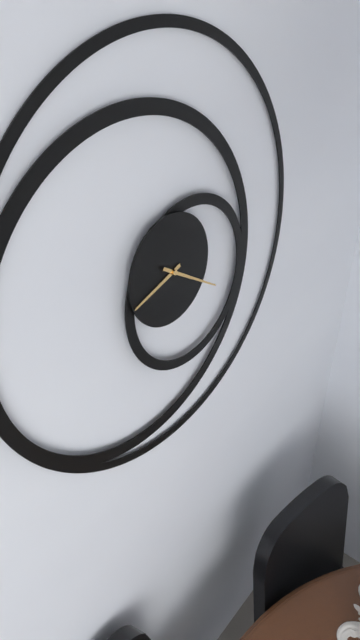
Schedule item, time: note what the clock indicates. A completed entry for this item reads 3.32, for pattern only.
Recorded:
8.20
